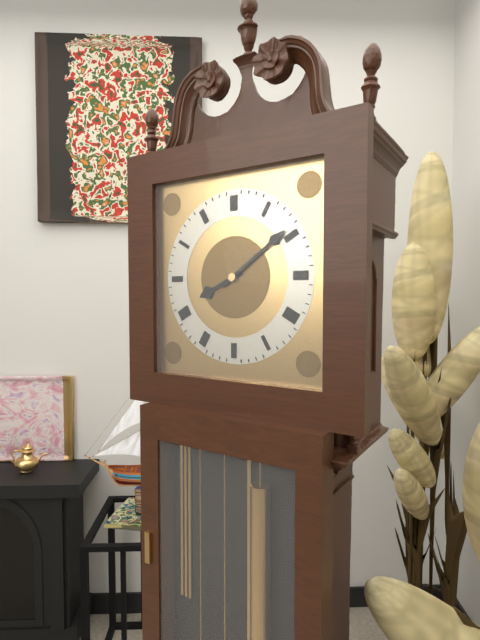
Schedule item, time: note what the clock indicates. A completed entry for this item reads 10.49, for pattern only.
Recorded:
8.09
